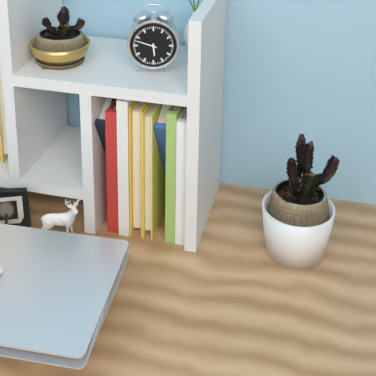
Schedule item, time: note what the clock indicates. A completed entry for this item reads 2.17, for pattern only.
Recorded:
5.48
